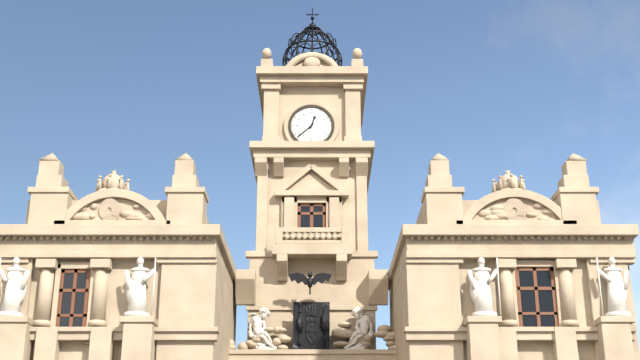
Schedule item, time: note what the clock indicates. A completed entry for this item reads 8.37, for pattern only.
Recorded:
12.38
